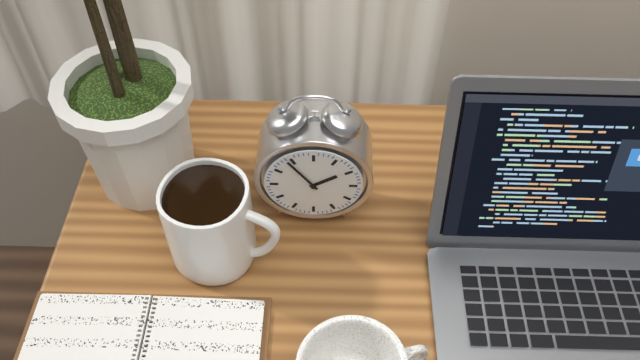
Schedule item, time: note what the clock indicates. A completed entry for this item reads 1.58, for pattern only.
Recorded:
1.54
